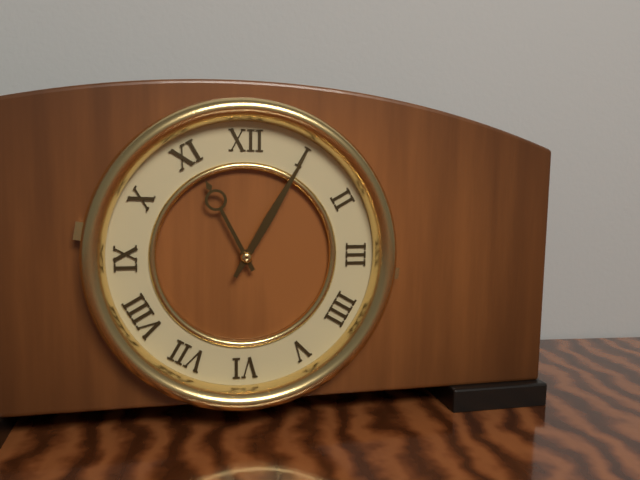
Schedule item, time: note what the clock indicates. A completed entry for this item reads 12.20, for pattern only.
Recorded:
11.05
